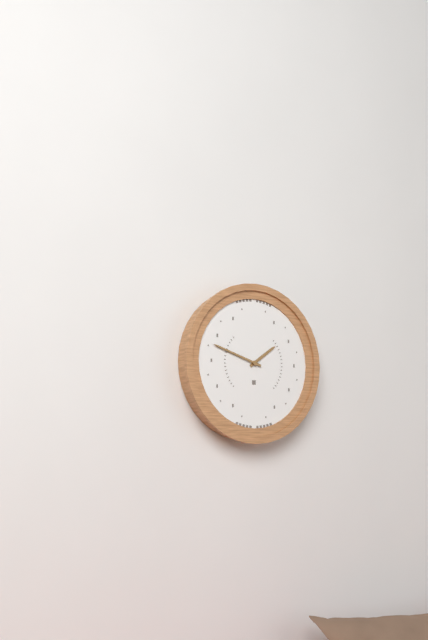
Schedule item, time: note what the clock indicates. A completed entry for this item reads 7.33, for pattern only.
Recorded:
1.48
